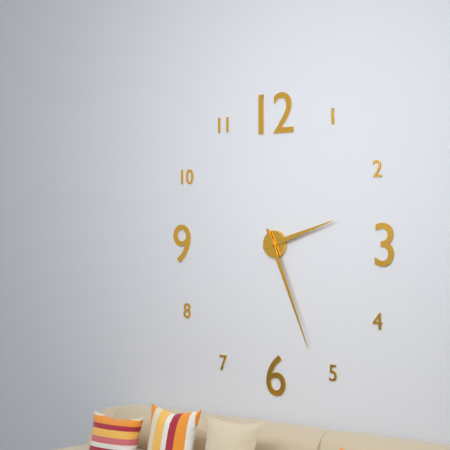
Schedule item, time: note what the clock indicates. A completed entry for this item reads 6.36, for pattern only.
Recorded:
2.26
